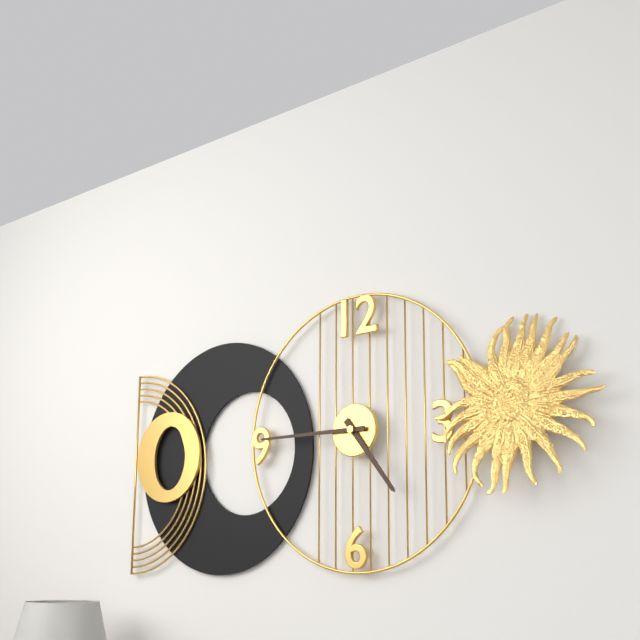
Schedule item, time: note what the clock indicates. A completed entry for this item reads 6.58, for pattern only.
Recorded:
4.45
